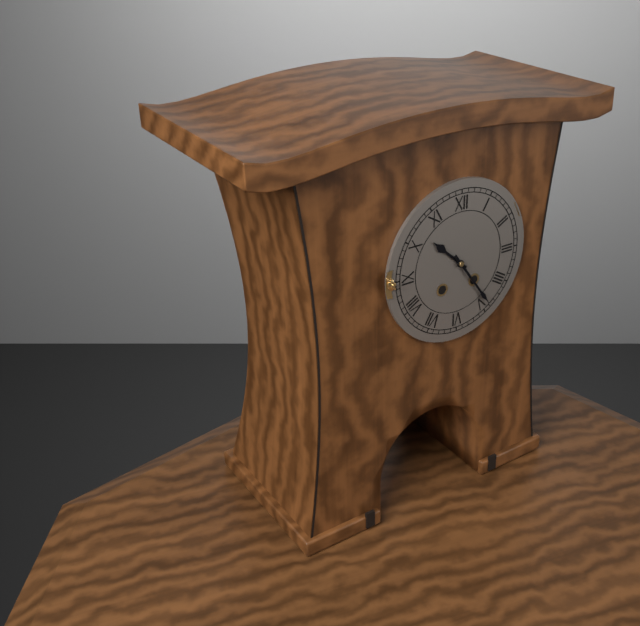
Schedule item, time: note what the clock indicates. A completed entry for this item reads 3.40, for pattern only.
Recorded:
10.24
